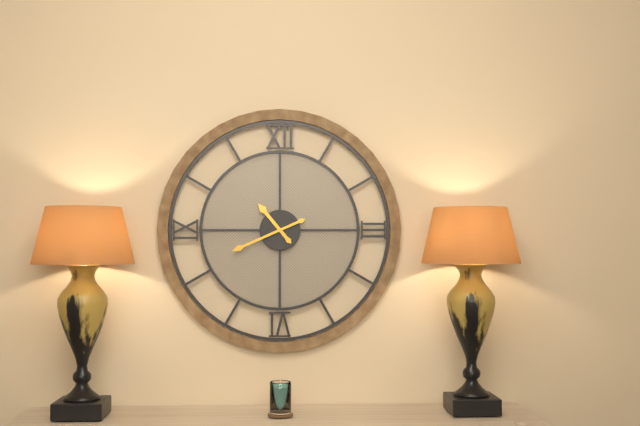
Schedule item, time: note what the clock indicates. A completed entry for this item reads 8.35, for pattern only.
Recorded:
10.41
